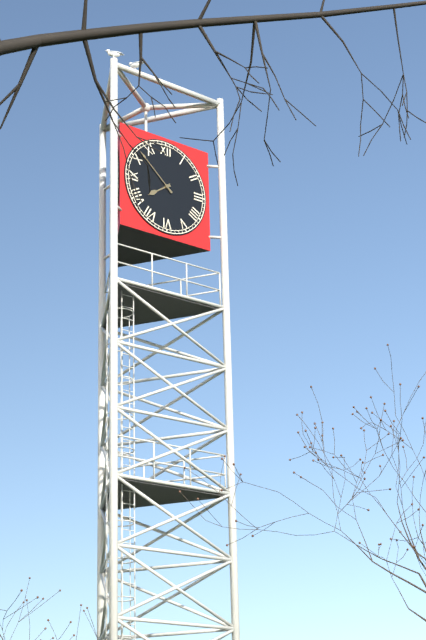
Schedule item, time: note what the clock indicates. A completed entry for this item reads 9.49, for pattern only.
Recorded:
7.52
